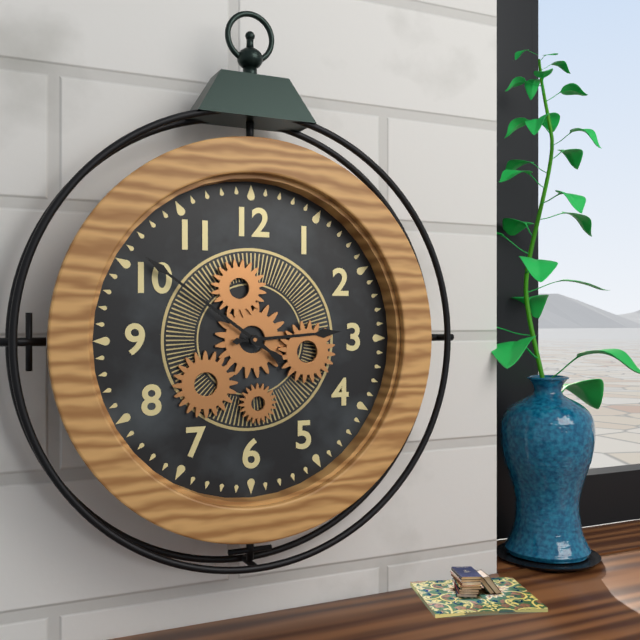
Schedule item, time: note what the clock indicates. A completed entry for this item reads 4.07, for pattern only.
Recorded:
2.51
